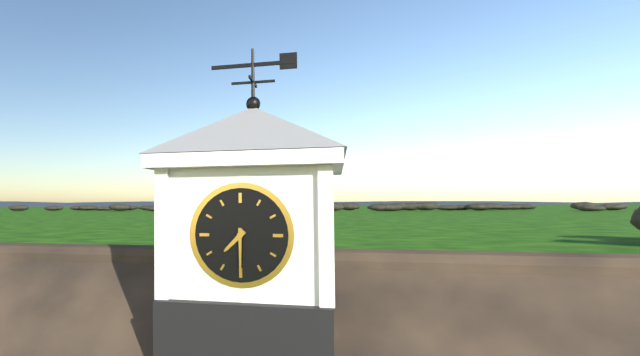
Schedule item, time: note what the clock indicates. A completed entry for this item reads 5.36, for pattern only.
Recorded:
7.30
